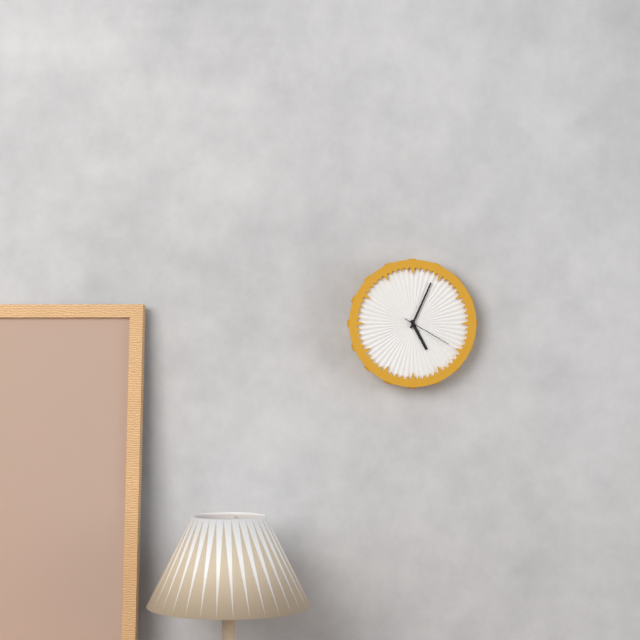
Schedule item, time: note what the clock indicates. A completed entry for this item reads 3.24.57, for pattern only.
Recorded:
5.04.20
